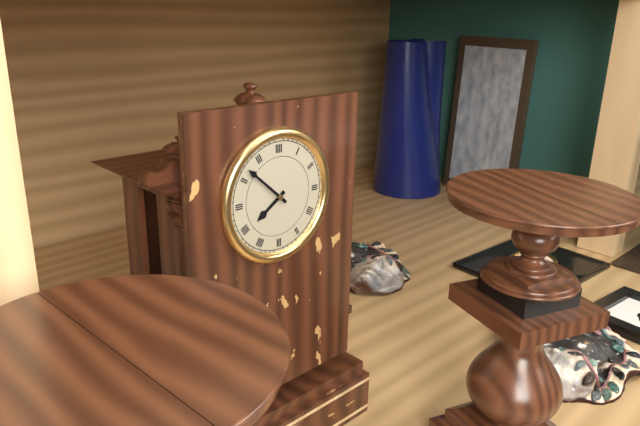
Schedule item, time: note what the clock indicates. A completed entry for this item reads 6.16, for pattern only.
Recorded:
7.52
